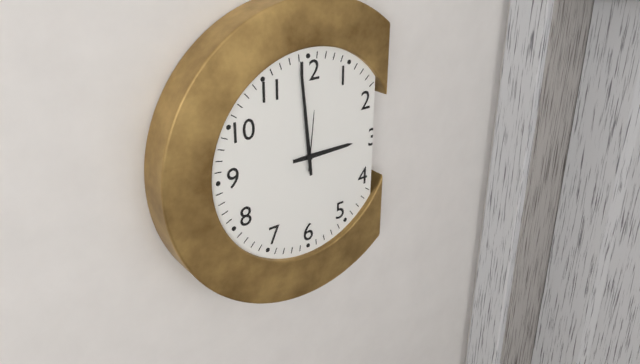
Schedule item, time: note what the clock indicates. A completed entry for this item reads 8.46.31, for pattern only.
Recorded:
2.59.01
